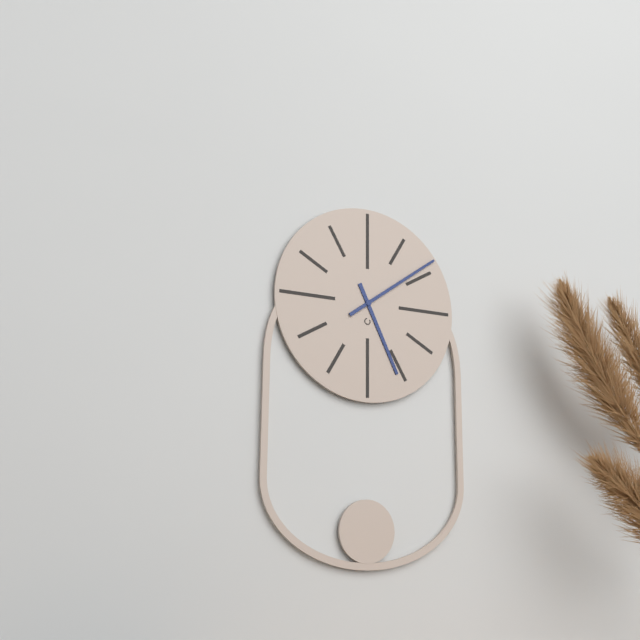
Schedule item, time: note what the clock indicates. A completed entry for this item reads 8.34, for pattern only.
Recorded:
5.09
